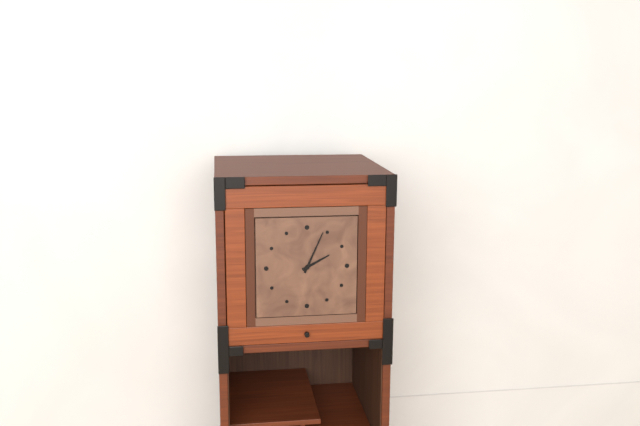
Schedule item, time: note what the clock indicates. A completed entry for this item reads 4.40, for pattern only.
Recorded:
2.04
